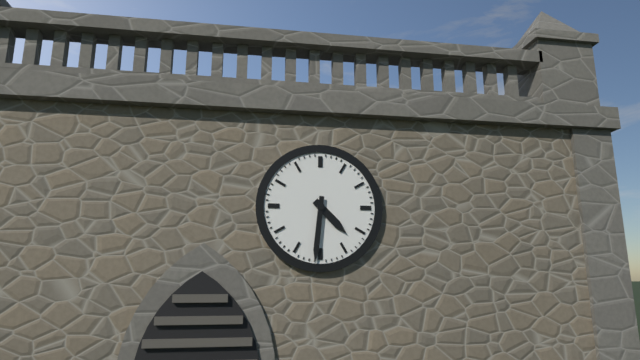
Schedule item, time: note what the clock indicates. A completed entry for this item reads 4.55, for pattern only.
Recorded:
4.31
